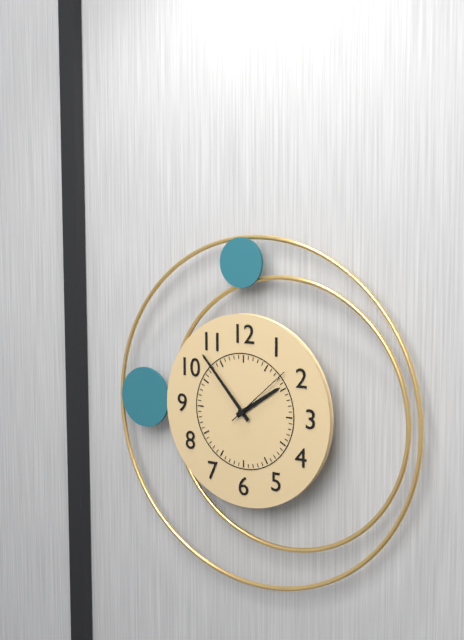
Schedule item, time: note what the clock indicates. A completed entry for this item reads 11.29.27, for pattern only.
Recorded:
1.53.08
